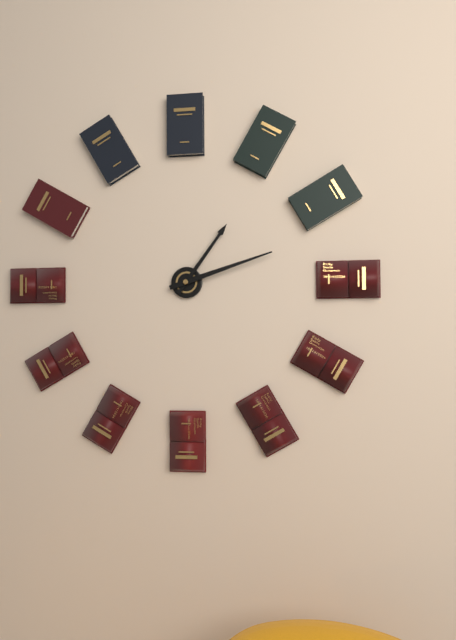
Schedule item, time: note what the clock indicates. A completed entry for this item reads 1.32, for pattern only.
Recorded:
1.12
